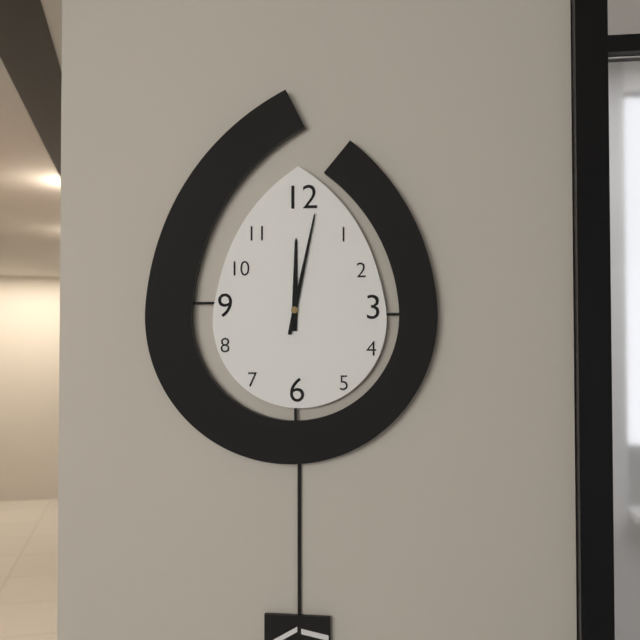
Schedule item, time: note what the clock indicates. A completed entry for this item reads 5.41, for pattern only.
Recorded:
12.02
